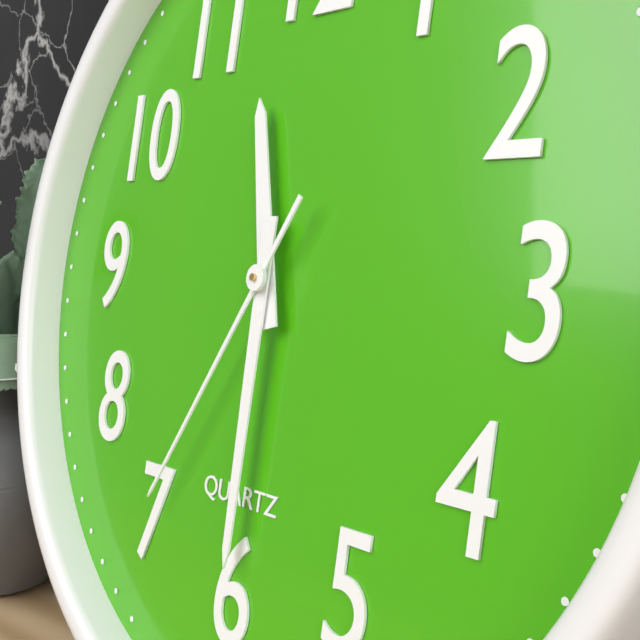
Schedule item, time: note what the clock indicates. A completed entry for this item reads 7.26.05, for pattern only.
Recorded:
11.30.35
